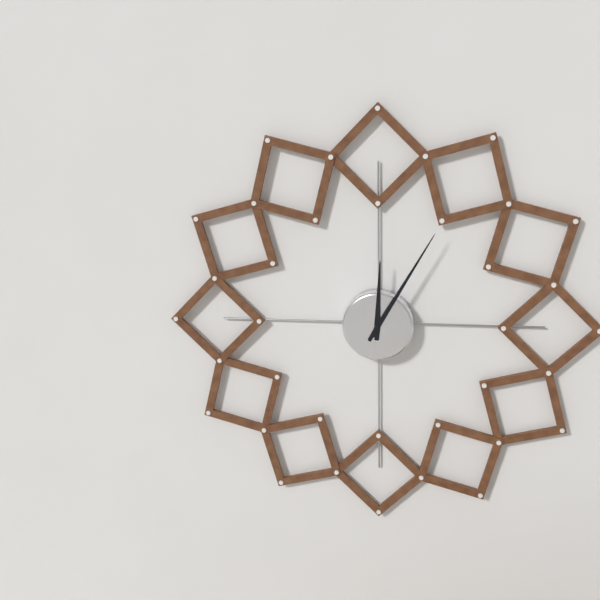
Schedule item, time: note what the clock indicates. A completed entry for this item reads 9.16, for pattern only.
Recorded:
12.05
